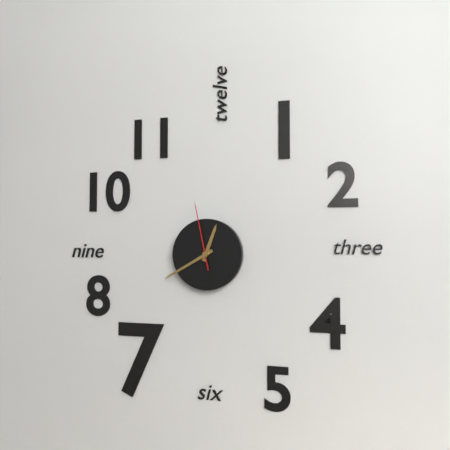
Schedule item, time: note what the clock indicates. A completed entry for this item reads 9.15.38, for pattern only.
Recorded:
12.40.58
